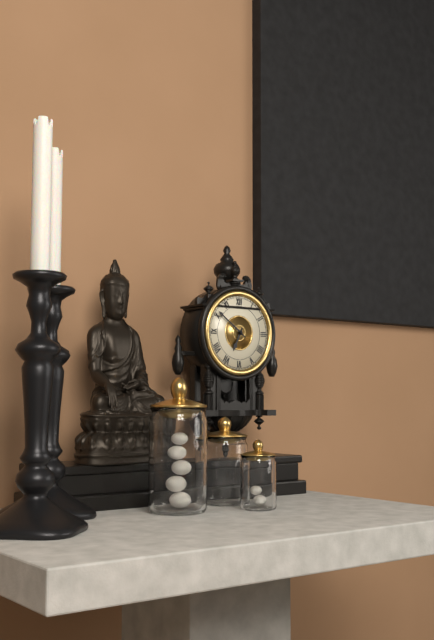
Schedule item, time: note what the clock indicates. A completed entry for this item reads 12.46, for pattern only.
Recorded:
6.51
